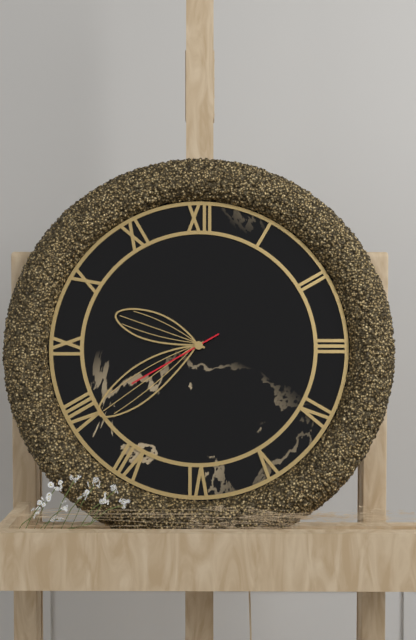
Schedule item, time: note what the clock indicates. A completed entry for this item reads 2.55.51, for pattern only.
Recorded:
9.39.40
